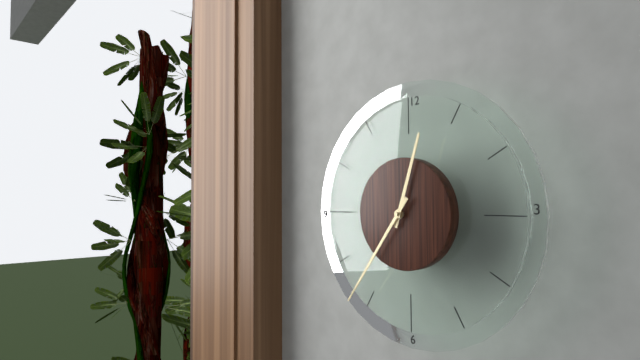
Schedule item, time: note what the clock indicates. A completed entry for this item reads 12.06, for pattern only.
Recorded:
12.36
